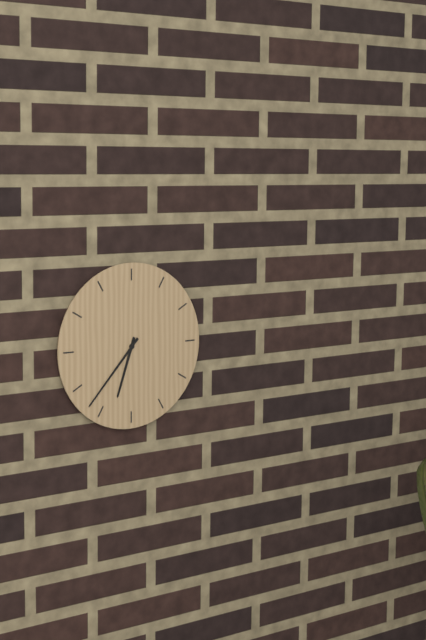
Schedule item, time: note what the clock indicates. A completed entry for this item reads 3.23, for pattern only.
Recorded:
6.37
